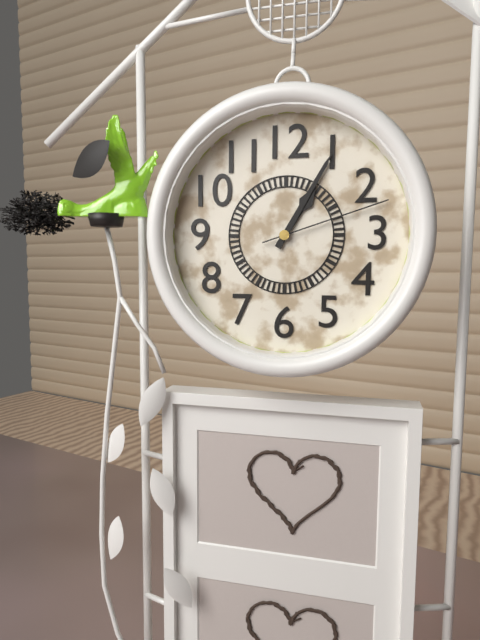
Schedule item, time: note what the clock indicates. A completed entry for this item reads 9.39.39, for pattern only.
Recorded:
1.05.12
